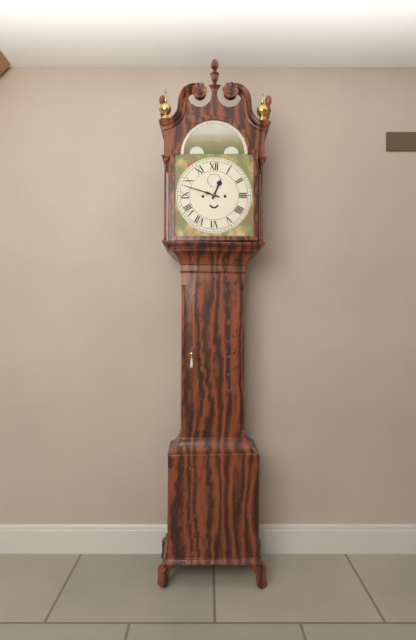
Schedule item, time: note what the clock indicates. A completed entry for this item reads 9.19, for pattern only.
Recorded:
12.48
